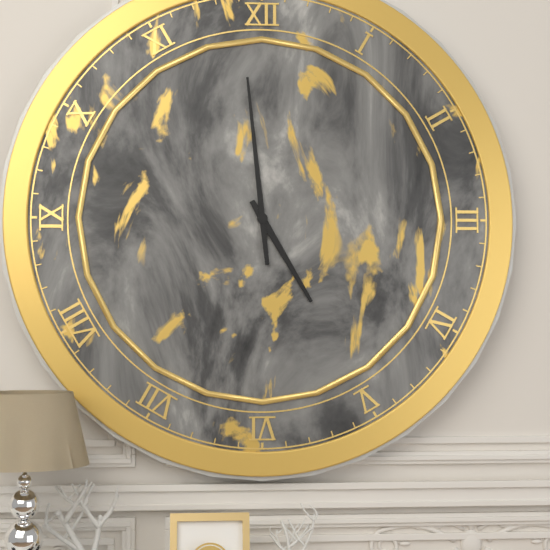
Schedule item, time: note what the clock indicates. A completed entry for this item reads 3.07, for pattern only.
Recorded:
4.59
